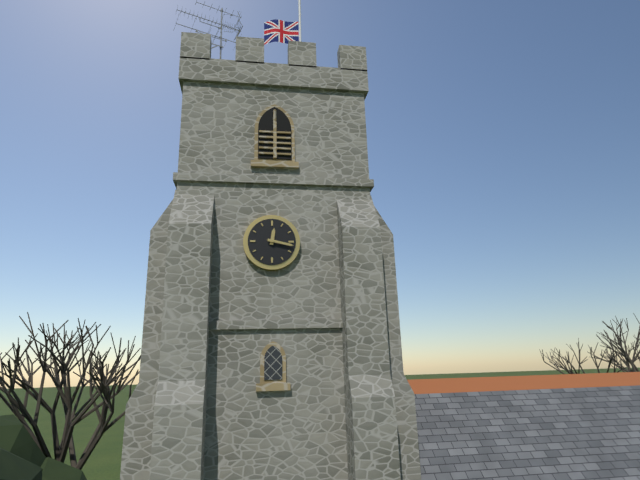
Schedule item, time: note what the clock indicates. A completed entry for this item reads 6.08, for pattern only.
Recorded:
12.17
